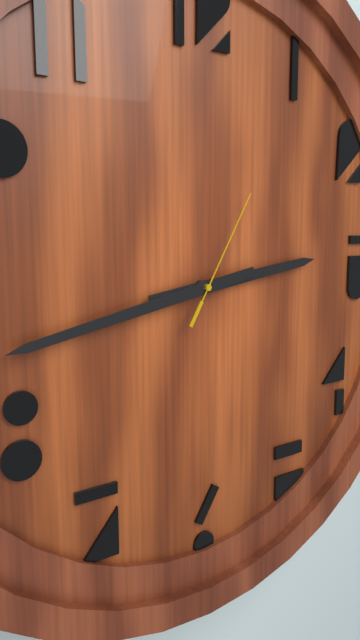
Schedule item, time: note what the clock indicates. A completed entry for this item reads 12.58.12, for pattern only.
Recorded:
2.43.05
